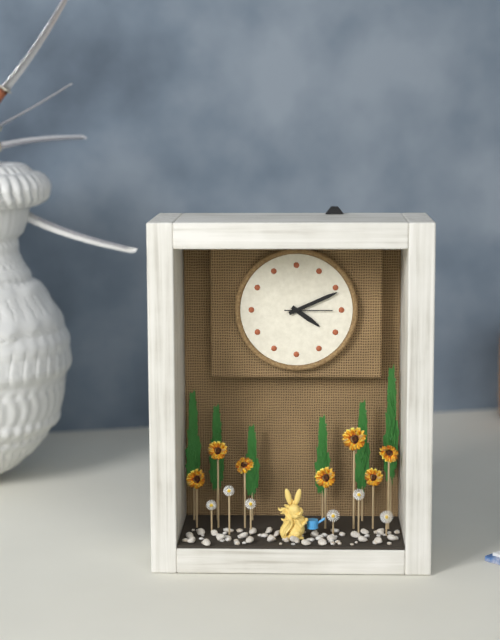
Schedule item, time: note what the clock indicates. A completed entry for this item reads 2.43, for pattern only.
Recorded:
4.11
